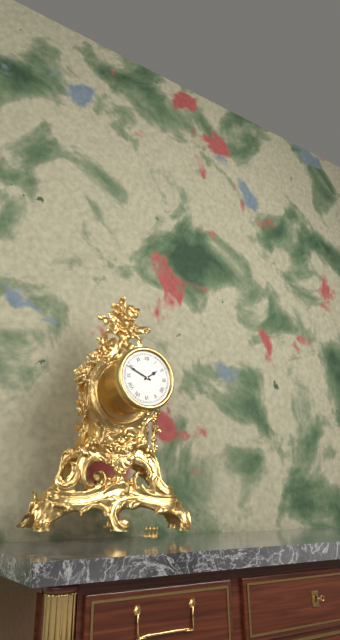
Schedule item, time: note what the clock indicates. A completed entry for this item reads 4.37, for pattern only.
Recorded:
1.49
